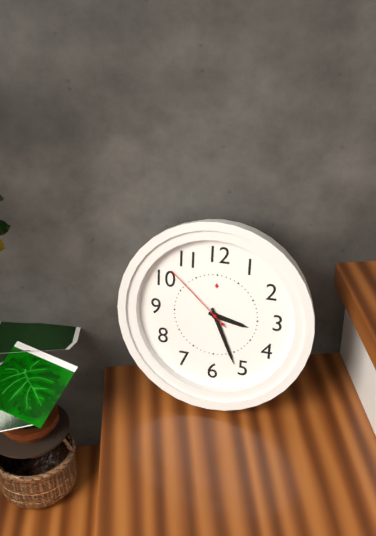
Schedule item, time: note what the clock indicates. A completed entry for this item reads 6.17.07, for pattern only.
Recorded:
3.26.52
